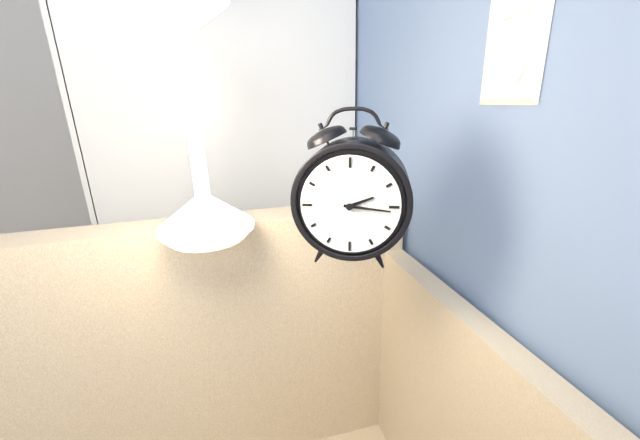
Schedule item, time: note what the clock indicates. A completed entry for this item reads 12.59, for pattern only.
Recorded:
2.16
